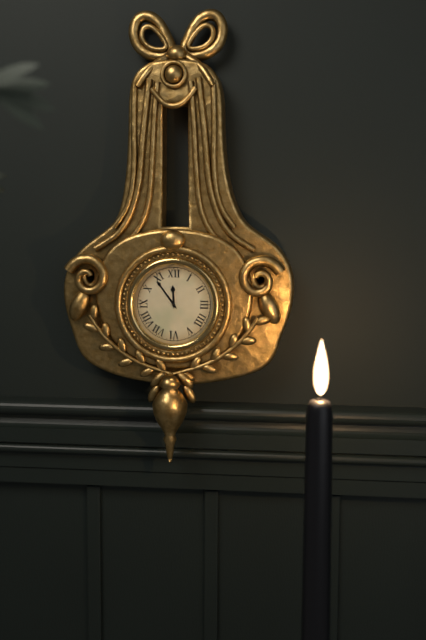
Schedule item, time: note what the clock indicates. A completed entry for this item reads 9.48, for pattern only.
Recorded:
11.54
